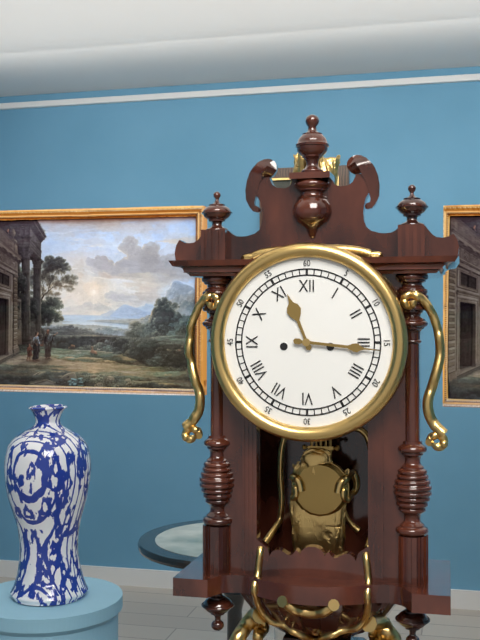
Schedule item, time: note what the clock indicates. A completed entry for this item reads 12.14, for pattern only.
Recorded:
11.16
